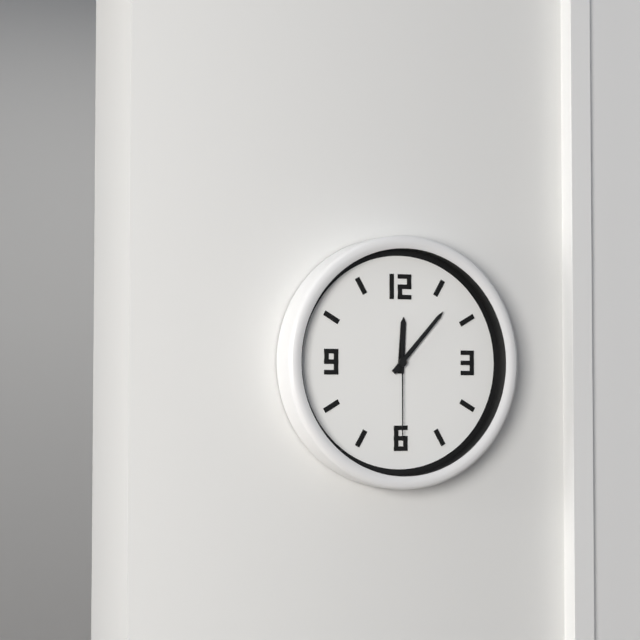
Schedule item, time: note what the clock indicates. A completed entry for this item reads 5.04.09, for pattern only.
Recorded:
12.07.30
